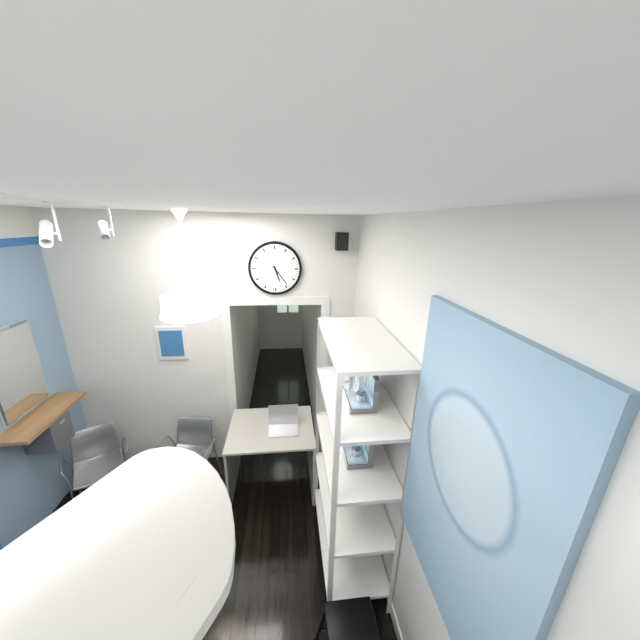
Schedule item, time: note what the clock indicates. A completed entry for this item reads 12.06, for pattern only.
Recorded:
5.24
